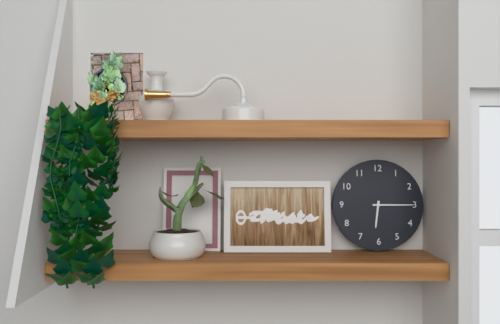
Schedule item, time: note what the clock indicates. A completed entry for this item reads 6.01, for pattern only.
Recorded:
6.15
